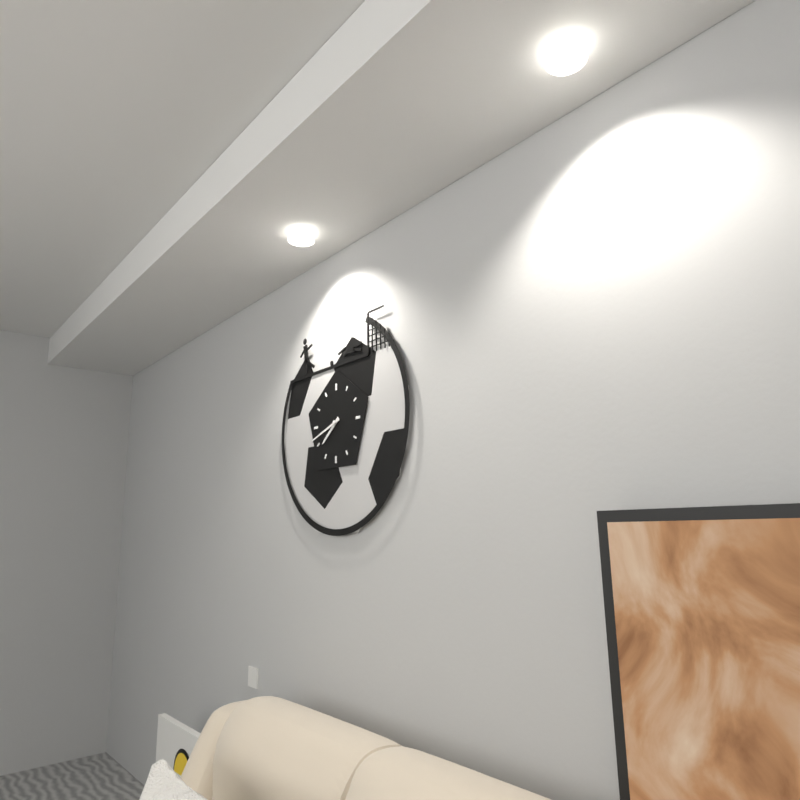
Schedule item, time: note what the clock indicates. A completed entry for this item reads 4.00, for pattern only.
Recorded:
7.42
